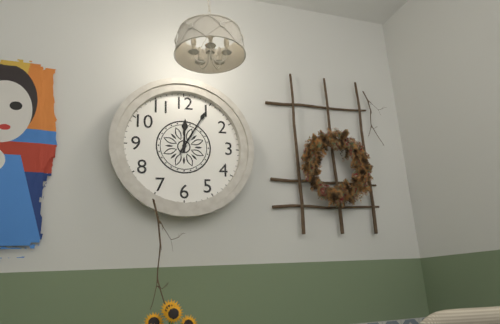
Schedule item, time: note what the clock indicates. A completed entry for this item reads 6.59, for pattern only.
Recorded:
12.05
